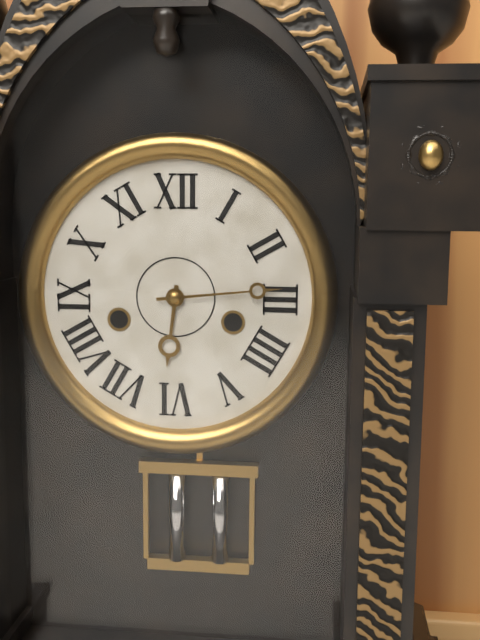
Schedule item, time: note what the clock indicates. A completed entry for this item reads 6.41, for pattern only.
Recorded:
6.14
